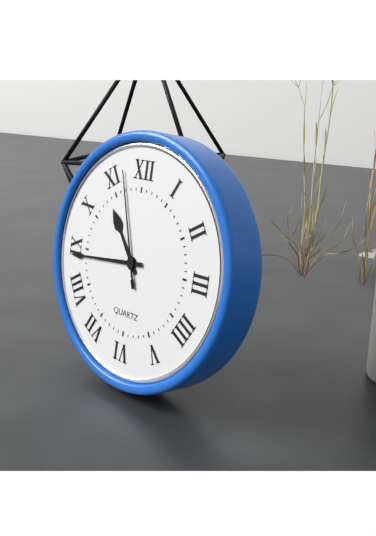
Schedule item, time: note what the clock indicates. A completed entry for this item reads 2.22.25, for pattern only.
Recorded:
10.44.57
